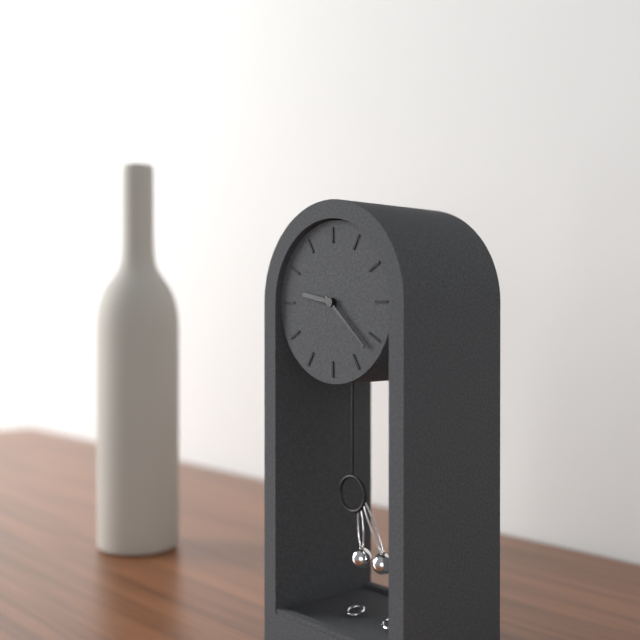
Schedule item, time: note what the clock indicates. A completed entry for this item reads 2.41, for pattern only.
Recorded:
9.22
